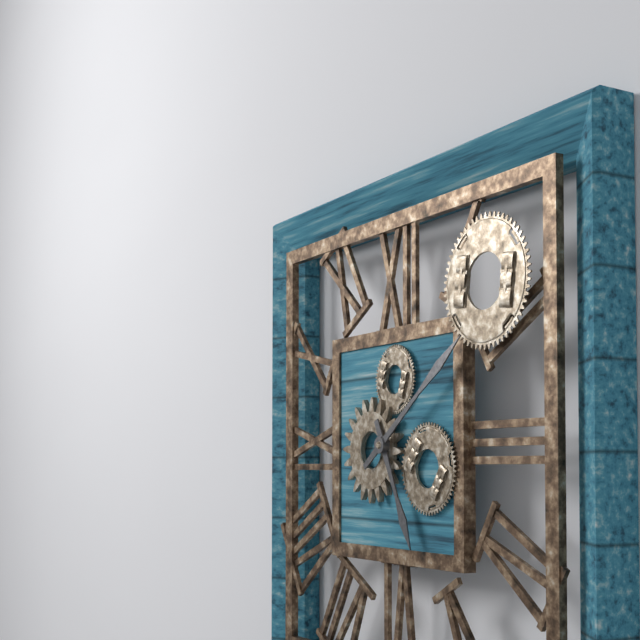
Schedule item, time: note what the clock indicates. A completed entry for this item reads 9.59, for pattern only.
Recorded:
5.09
